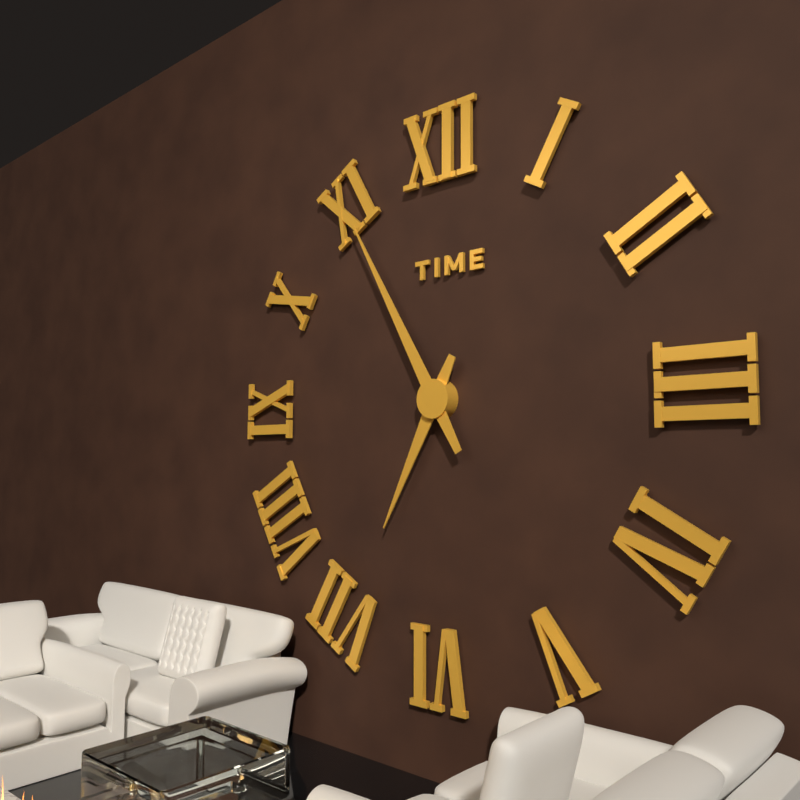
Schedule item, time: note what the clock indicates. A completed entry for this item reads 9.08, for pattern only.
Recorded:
6.55
